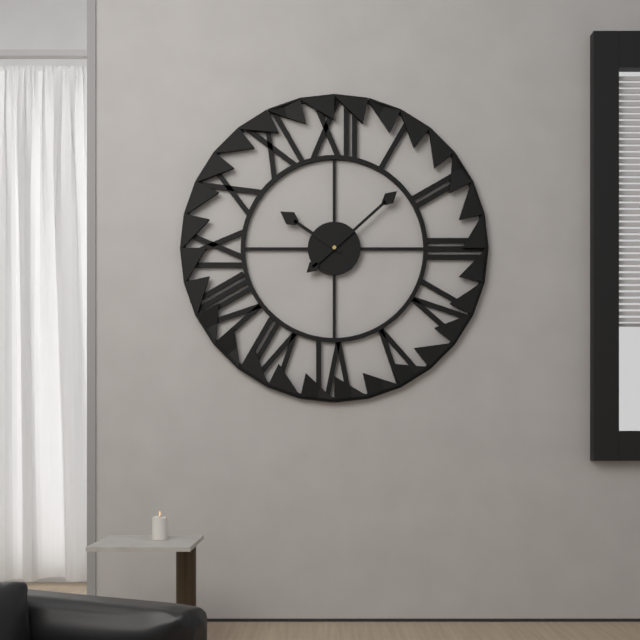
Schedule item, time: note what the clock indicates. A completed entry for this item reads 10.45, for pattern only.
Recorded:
10.08
